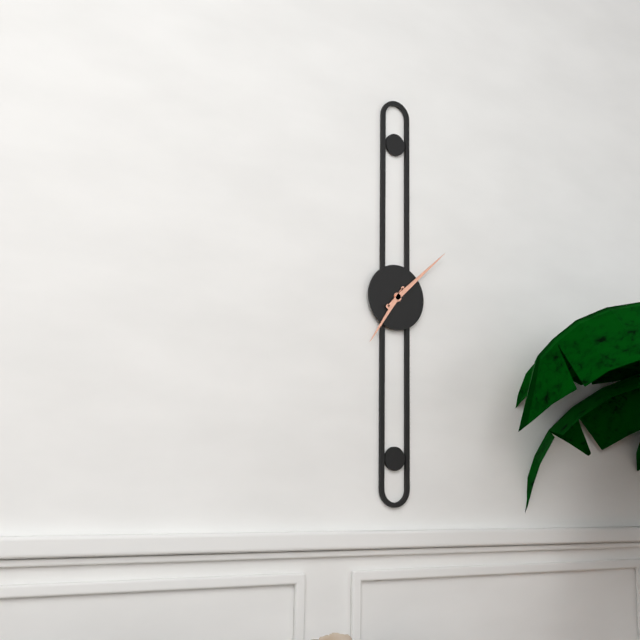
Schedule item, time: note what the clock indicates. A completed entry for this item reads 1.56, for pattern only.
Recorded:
7.08
